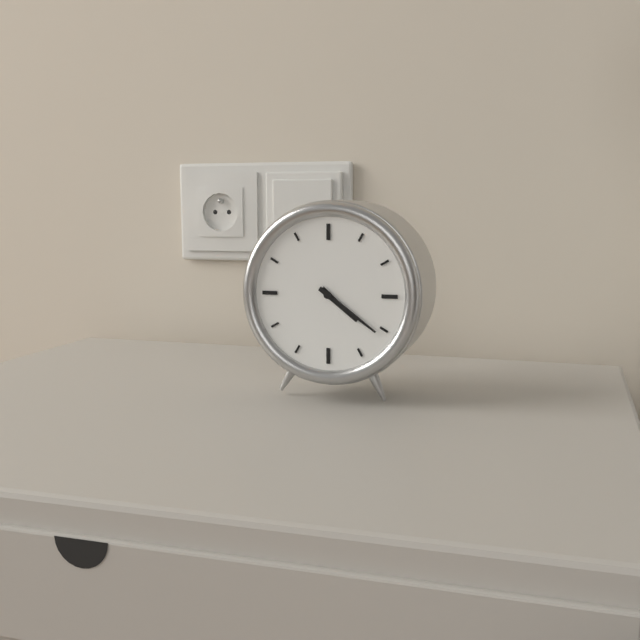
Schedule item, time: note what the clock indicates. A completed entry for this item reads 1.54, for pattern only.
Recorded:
4.21
